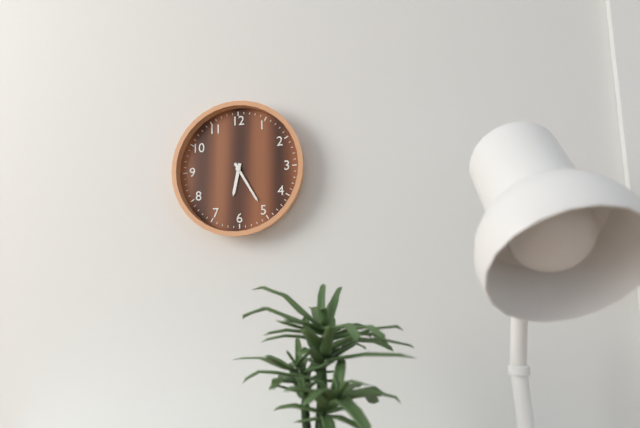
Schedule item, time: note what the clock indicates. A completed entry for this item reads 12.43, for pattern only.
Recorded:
6.25
